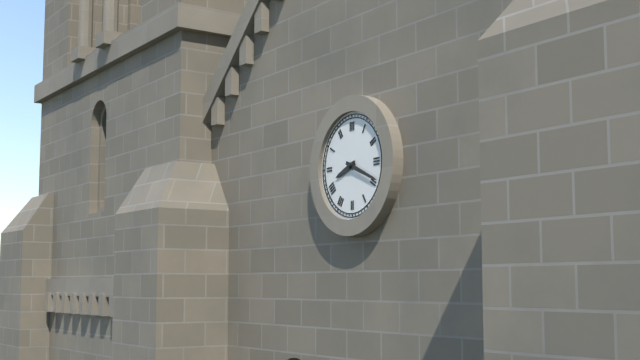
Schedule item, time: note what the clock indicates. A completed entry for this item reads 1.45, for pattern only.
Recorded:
8.19
